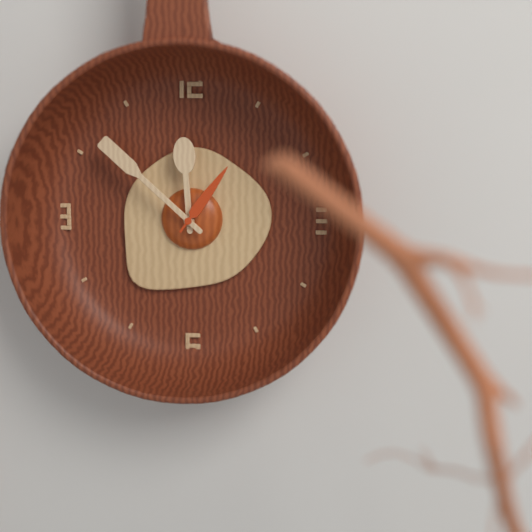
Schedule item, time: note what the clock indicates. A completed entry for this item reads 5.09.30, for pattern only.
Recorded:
11.52.06
